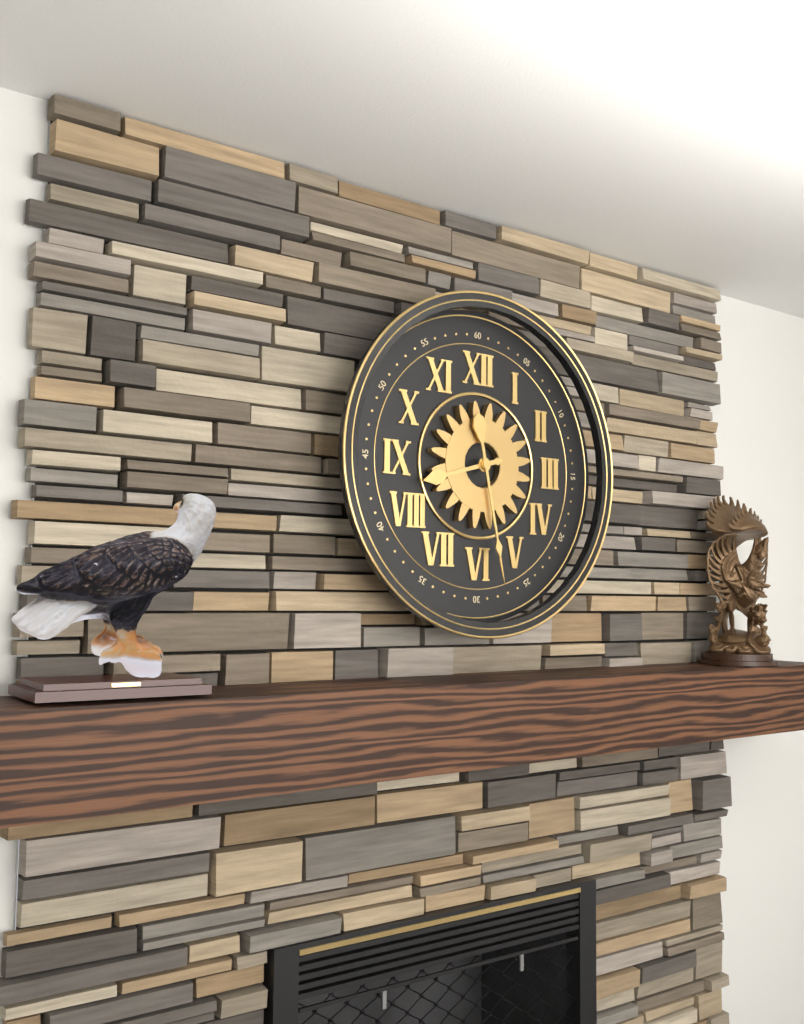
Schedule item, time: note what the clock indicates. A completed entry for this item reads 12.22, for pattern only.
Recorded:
8.28
